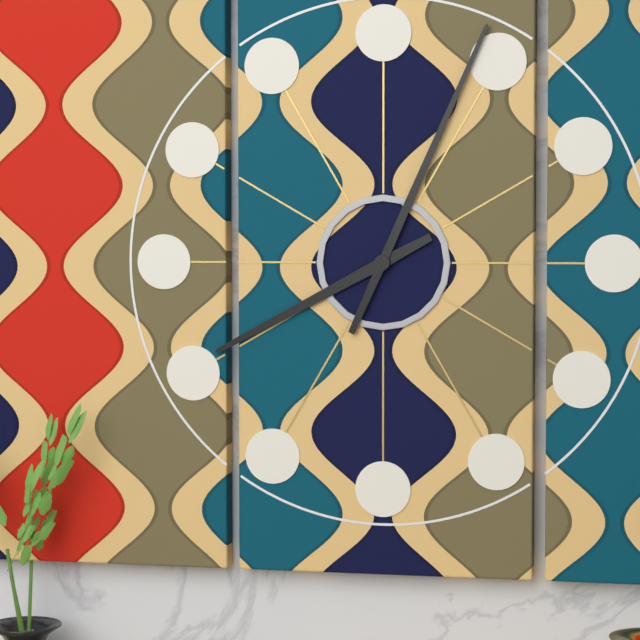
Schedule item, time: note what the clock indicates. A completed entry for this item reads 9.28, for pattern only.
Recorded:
8.04
